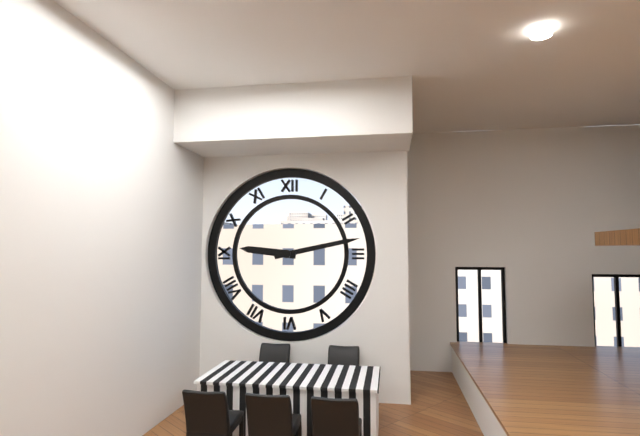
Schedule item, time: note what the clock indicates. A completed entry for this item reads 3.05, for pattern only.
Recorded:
9.13
